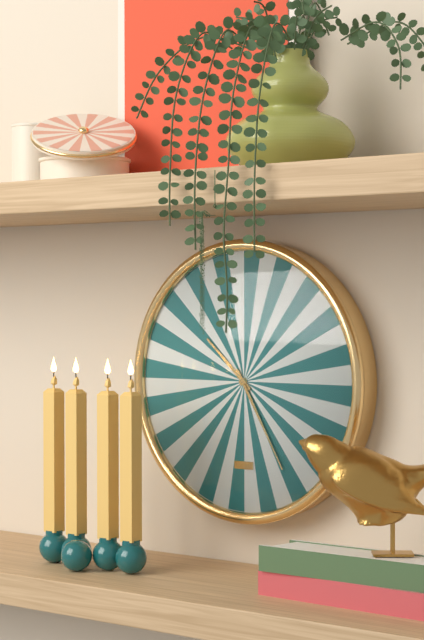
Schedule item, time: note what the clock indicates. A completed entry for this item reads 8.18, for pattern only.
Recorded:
10.25
